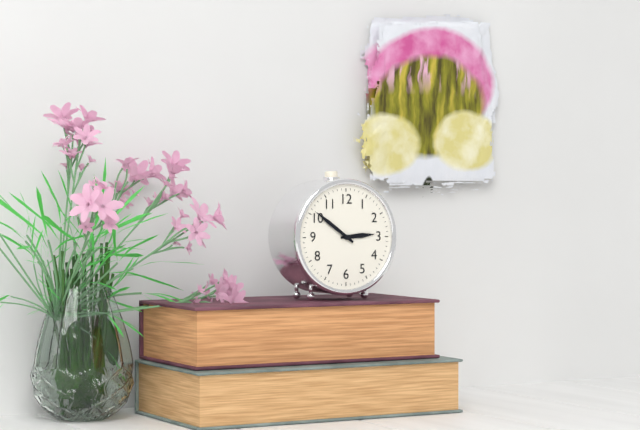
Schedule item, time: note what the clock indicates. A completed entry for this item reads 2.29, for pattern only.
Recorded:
2.51
